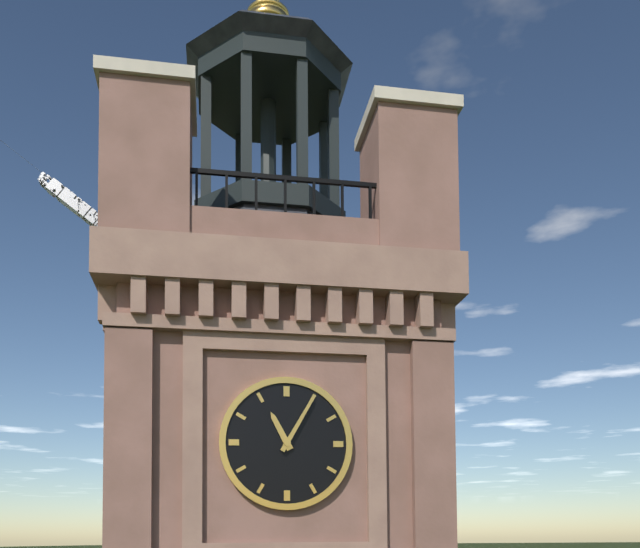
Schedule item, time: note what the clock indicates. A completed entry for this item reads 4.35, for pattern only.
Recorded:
11.05
